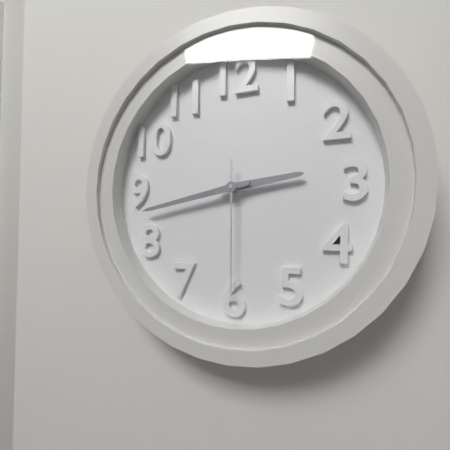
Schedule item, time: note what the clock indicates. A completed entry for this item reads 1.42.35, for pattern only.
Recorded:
2.43.30
